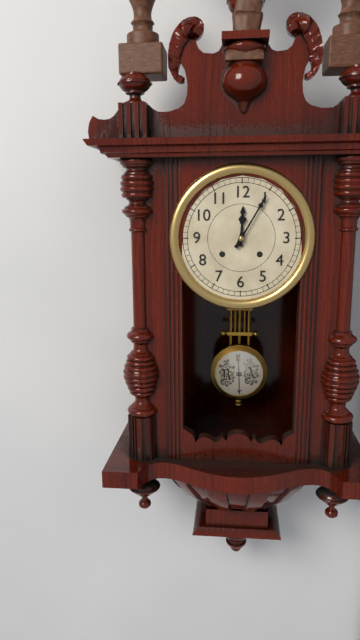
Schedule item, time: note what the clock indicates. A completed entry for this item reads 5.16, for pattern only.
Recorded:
12.05
